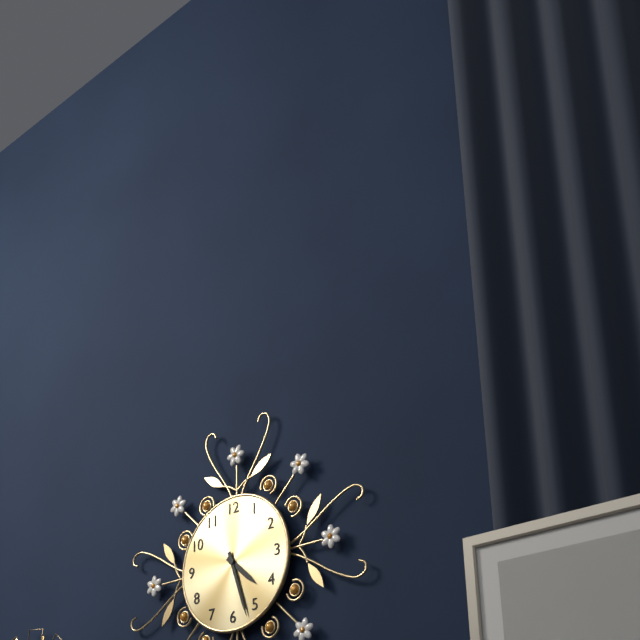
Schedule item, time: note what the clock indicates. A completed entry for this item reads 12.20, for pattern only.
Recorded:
4.27
